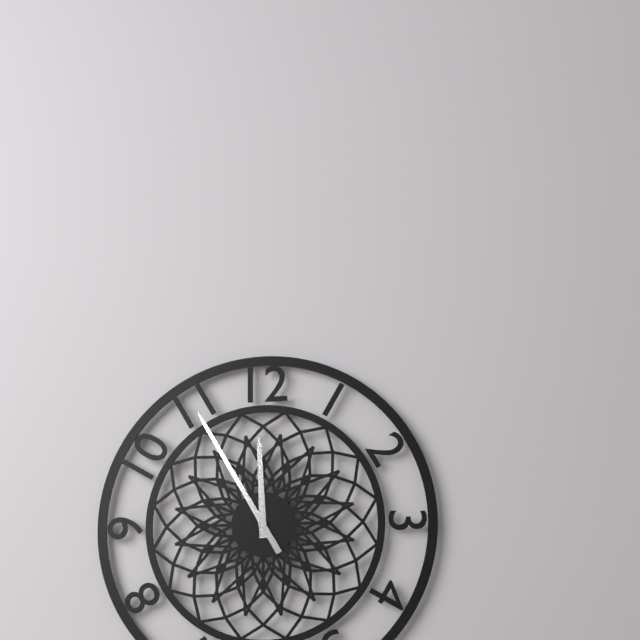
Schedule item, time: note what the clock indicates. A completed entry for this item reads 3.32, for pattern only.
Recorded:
11.55
